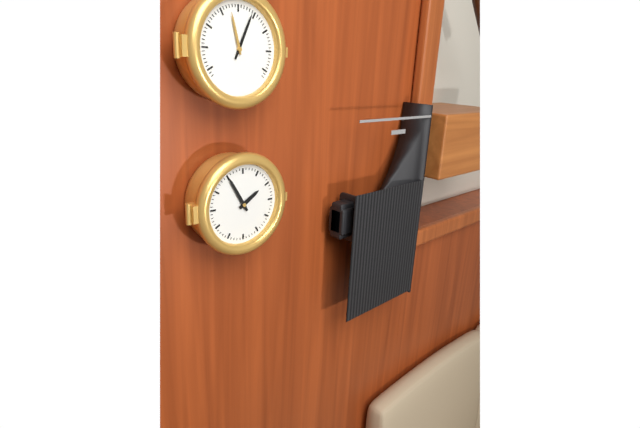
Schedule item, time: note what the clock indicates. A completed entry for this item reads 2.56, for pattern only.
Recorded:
1.55
